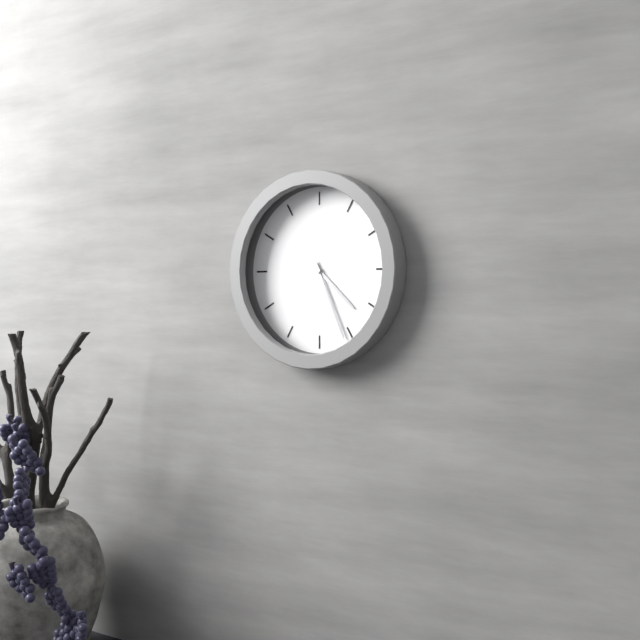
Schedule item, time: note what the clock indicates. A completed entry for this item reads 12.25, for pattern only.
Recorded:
4.26
